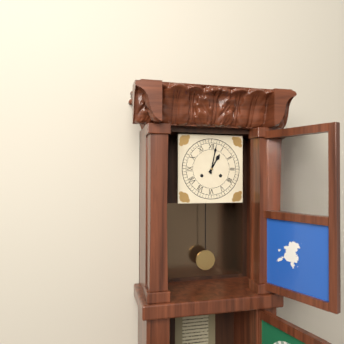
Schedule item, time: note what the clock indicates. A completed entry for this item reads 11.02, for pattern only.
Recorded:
1.02
